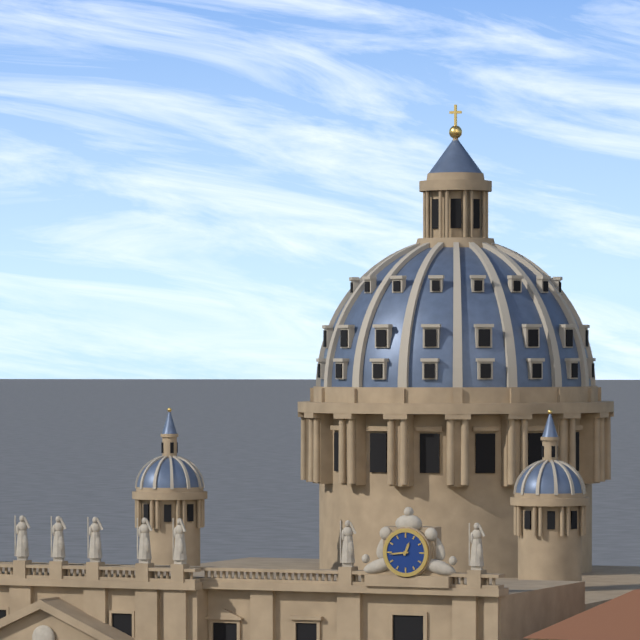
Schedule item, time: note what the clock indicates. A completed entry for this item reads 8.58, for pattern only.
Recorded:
12.44
